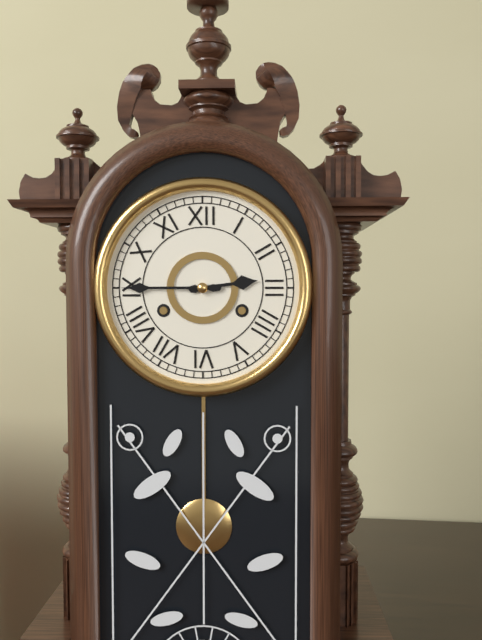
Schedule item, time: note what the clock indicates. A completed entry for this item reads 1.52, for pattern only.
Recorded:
2.45
